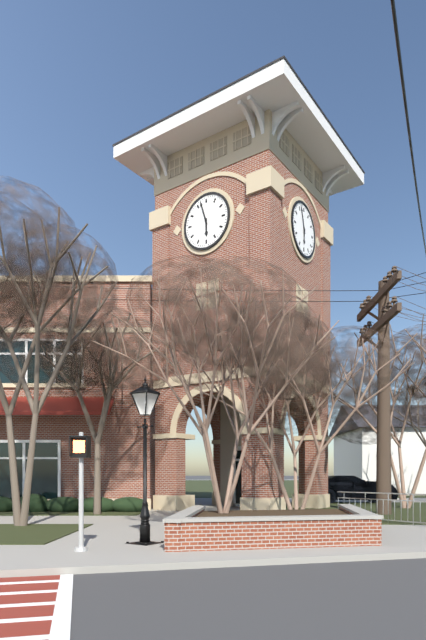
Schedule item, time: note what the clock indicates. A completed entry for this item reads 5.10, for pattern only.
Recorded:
5.57
